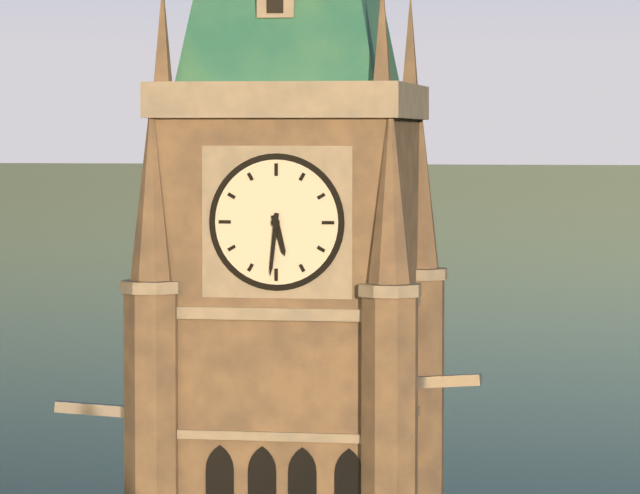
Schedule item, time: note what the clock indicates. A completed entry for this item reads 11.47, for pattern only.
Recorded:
5.31
